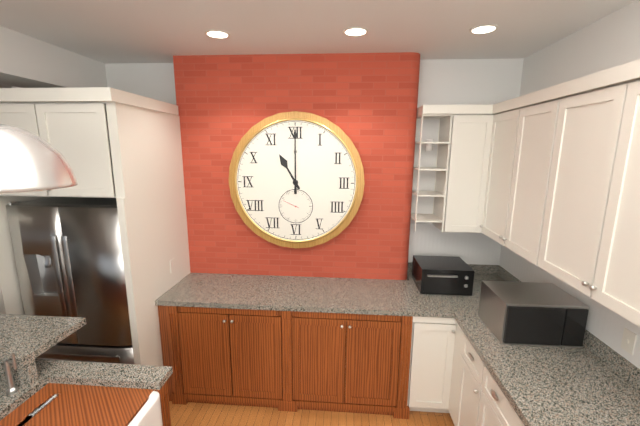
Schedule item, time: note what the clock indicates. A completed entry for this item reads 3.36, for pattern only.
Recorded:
11.00
